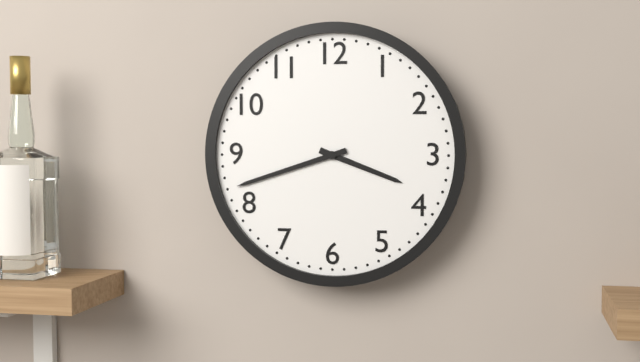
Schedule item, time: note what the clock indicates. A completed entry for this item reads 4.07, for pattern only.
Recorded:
3.42
